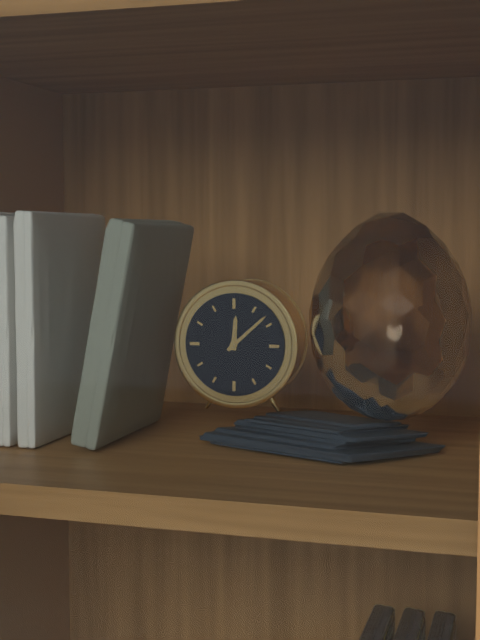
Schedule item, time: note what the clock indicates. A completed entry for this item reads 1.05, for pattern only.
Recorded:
12.08
